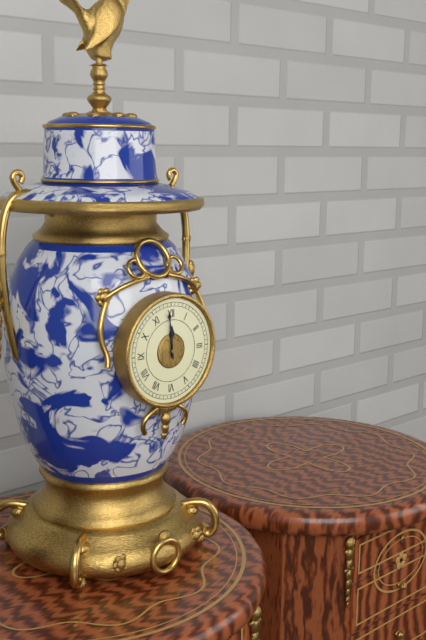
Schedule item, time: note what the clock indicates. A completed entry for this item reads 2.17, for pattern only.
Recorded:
11.59
